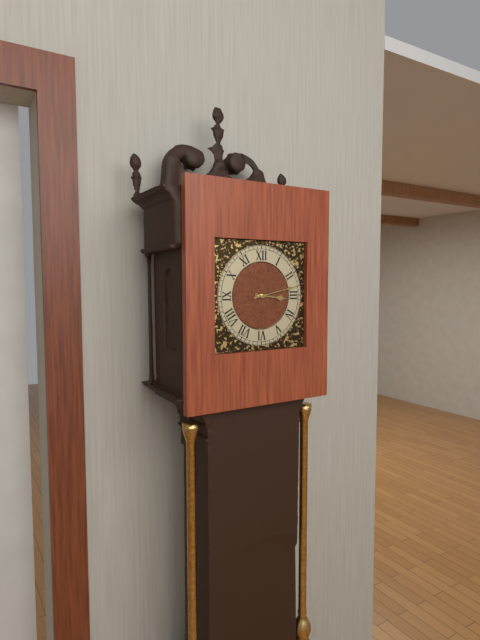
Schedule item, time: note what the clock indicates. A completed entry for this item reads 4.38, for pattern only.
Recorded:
3.13
